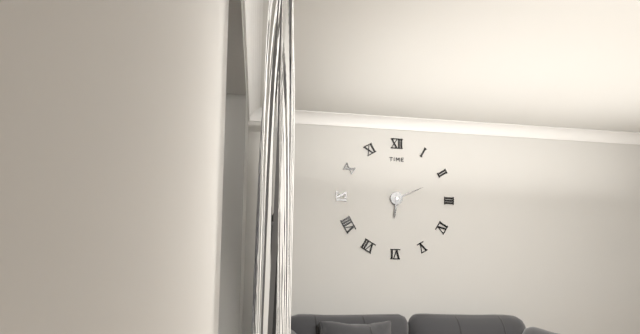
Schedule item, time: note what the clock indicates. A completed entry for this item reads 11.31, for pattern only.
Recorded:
6.11
